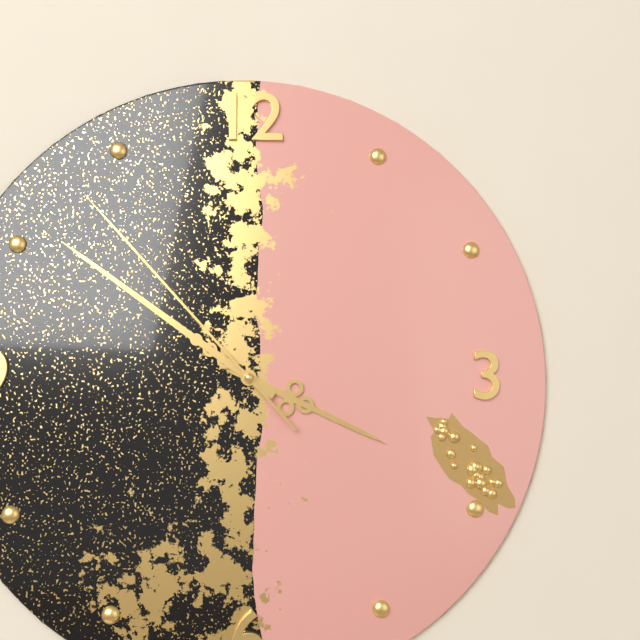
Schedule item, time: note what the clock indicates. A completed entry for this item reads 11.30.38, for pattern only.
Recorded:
3.51.53
